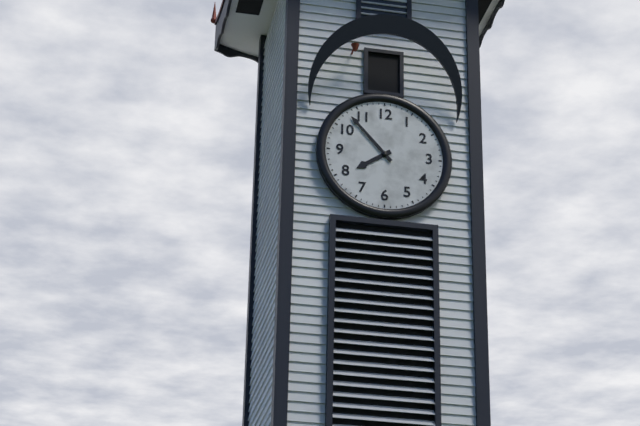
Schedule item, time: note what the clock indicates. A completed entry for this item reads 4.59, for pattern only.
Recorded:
7.53
